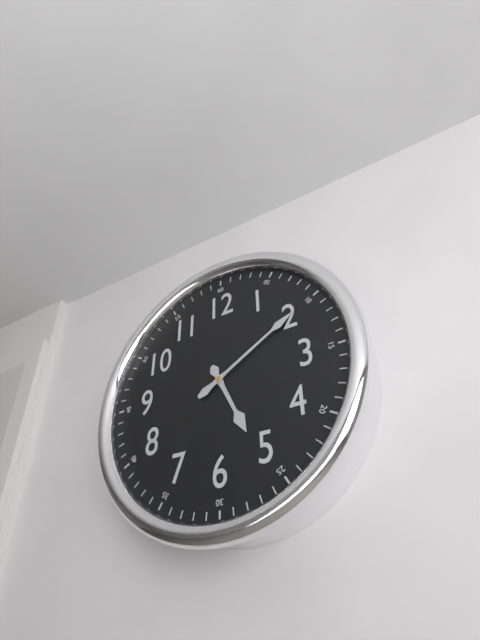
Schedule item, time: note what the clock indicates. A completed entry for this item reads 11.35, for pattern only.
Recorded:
5.10
